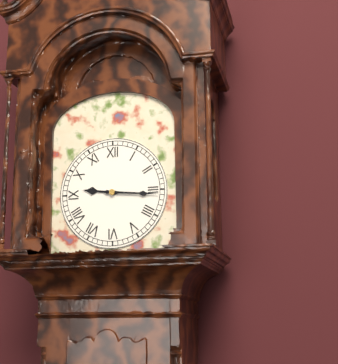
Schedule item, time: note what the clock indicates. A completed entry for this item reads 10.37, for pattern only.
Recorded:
9.16
